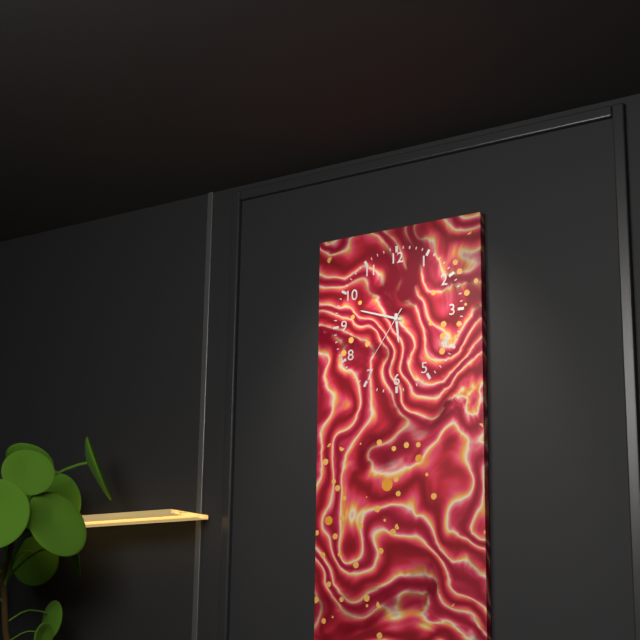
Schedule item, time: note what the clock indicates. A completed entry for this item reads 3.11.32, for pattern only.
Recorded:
5.48.36
